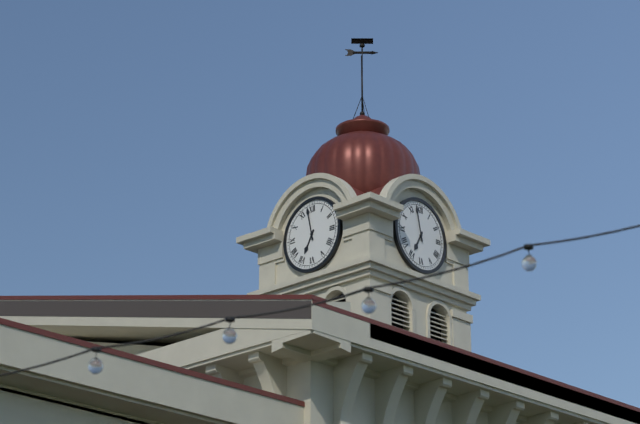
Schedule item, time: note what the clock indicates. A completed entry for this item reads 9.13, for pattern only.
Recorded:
6.58
